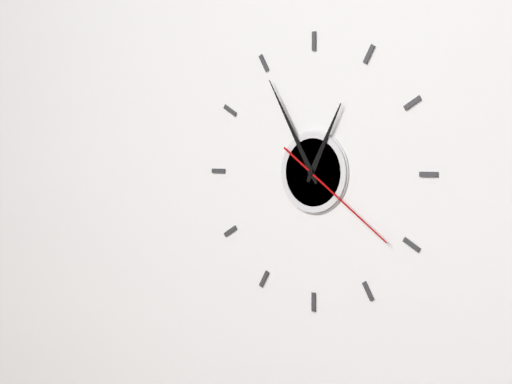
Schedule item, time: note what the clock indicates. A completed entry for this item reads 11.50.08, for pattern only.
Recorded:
12.55.21
